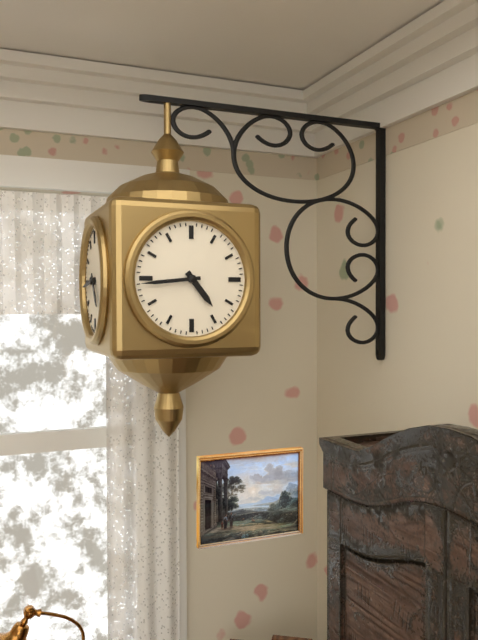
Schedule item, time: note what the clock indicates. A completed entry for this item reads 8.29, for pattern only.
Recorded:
4.44
